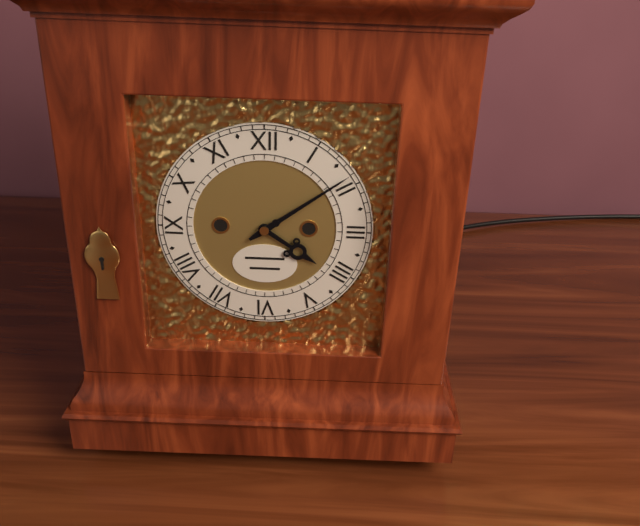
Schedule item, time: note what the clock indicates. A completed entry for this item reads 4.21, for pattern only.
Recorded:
4.09
